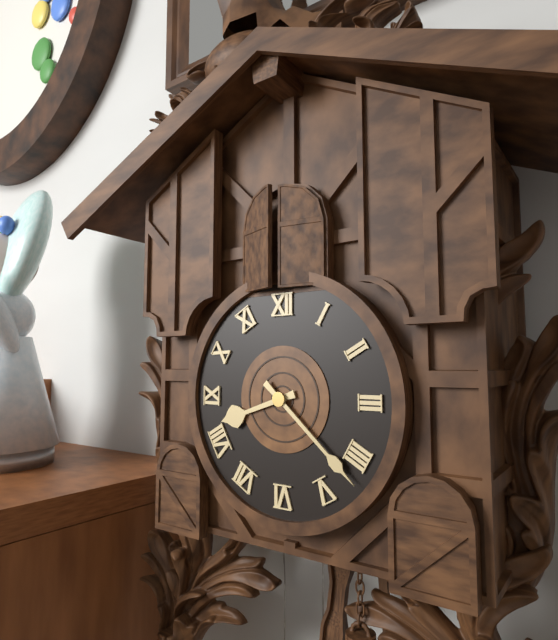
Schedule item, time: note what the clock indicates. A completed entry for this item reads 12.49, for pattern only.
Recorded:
8.22
